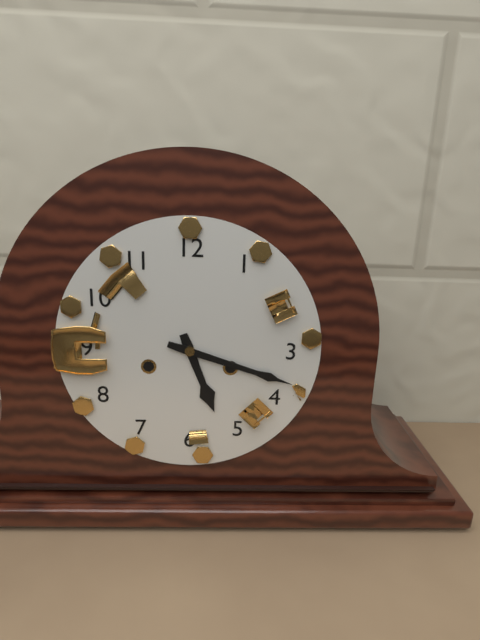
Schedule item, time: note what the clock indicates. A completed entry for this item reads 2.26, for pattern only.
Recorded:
5.18
